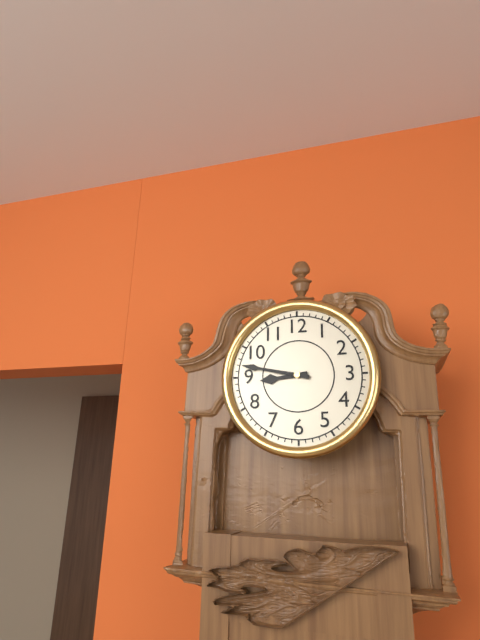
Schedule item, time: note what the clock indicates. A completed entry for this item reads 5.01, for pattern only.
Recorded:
8.47
